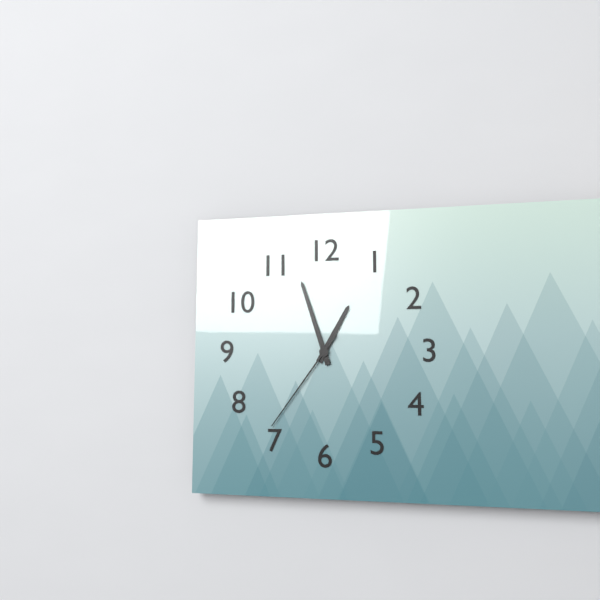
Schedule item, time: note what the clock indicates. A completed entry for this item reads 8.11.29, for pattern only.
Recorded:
12.57.36
